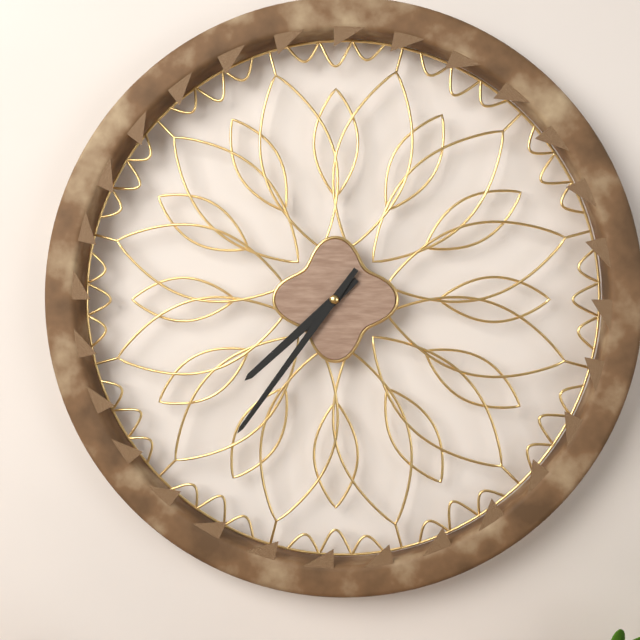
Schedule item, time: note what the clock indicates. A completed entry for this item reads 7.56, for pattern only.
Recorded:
7.36
